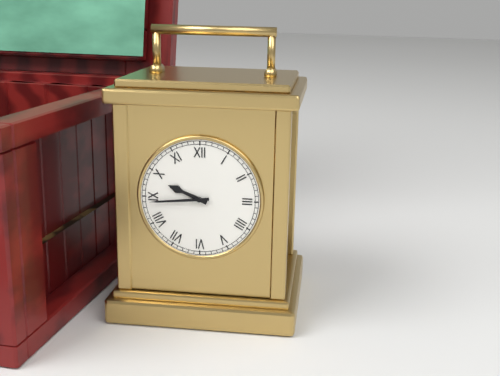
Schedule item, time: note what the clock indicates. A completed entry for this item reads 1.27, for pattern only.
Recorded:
9.44
